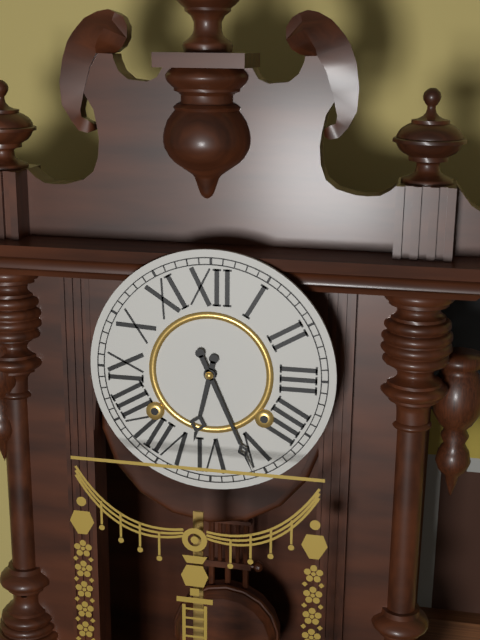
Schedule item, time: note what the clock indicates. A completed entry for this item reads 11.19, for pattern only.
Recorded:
6.26
